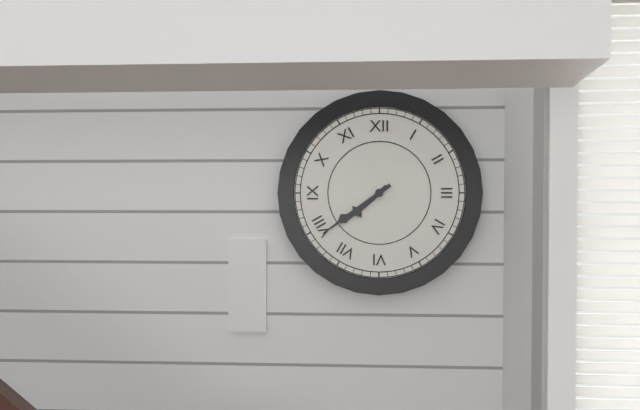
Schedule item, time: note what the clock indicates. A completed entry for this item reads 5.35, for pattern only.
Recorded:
7.39
